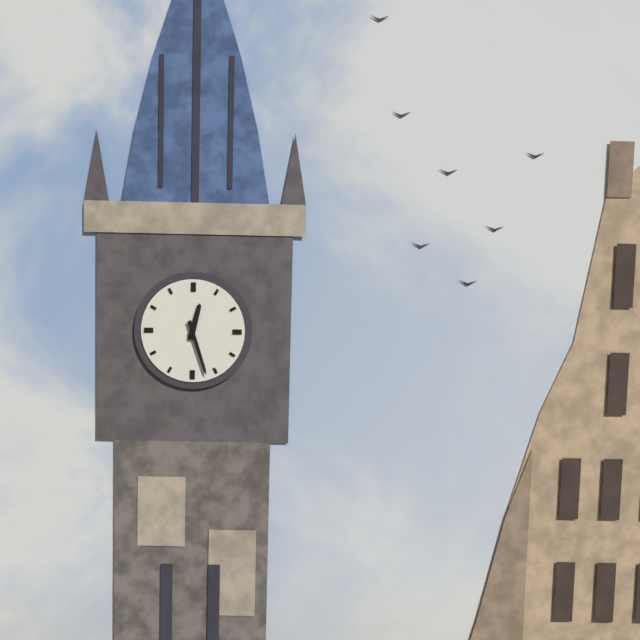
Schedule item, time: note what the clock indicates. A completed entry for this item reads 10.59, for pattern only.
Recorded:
12.27
